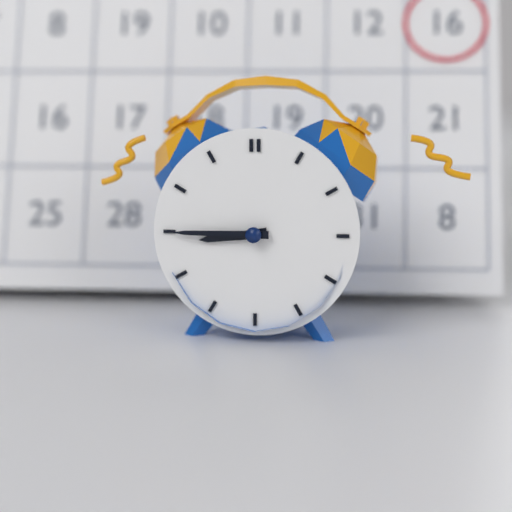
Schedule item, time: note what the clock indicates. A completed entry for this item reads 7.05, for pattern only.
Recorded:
8.45
